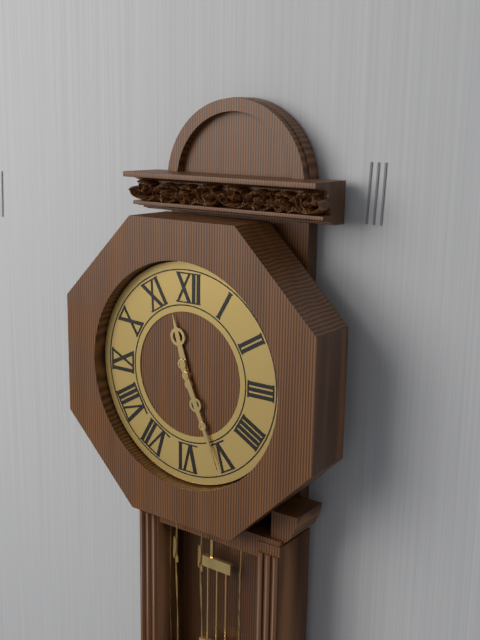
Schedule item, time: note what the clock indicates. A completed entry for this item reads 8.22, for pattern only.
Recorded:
11.26
